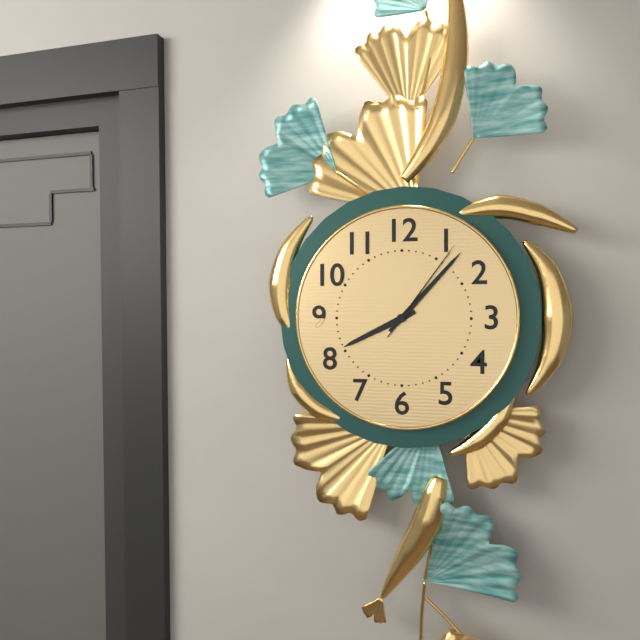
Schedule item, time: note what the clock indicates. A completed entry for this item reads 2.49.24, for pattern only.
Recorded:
8.07.06
